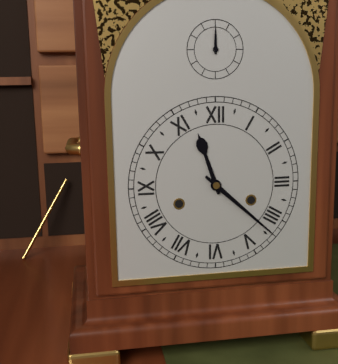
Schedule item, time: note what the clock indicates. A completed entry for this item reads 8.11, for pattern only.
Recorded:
11.22
